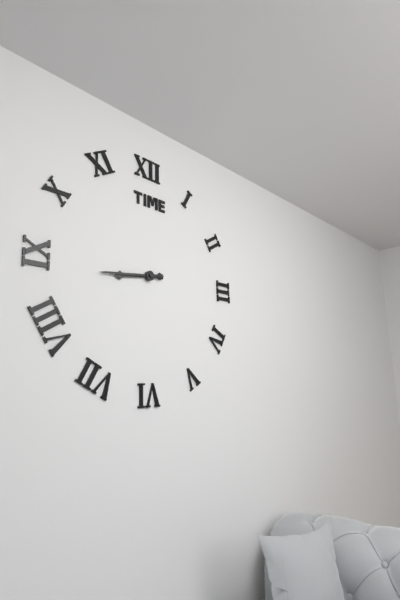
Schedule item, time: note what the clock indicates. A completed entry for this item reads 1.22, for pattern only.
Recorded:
8.44
